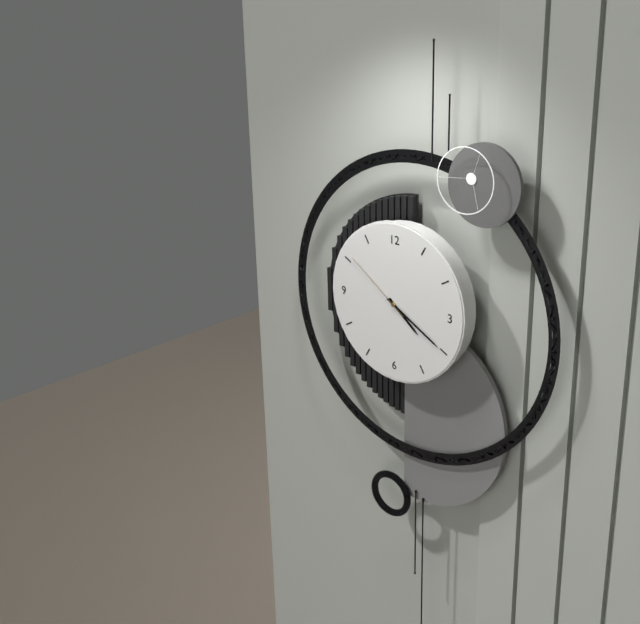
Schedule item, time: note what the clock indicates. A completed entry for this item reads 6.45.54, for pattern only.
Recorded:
4.20.51
